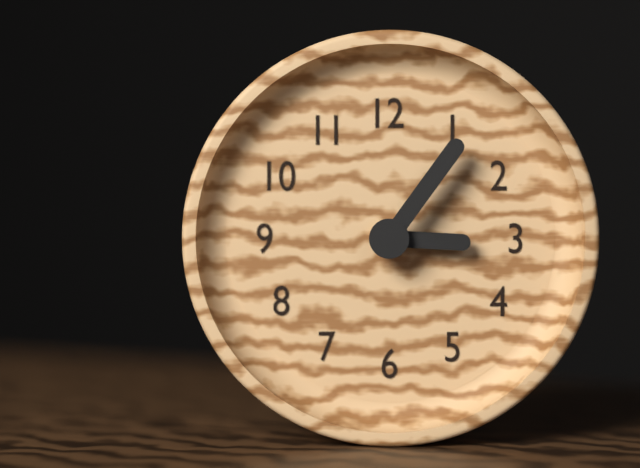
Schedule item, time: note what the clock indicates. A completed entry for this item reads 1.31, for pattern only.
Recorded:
3.06
